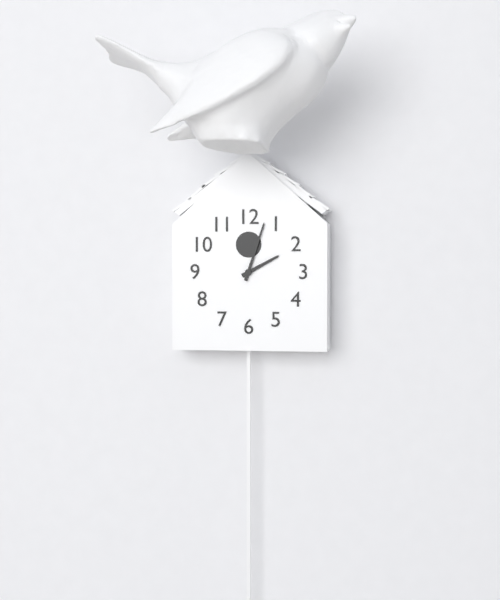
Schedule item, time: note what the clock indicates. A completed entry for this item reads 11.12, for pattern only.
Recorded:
2.03
